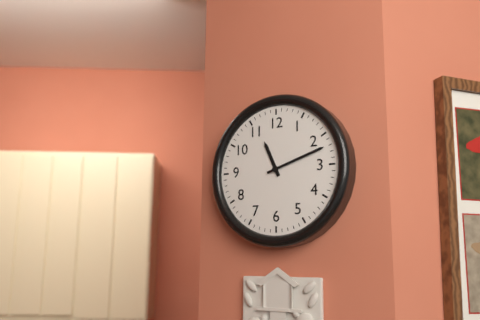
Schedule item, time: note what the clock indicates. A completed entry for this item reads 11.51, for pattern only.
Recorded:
11.12
